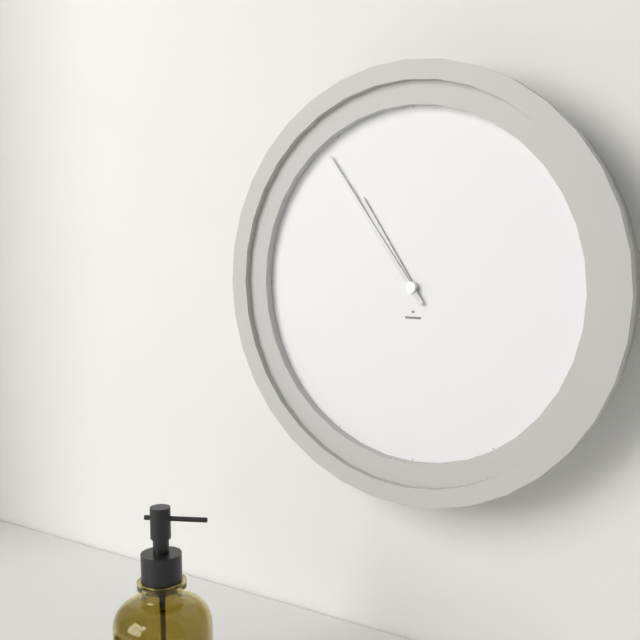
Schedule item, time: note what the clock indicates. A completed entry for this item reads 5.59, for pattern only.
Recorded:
10.54
